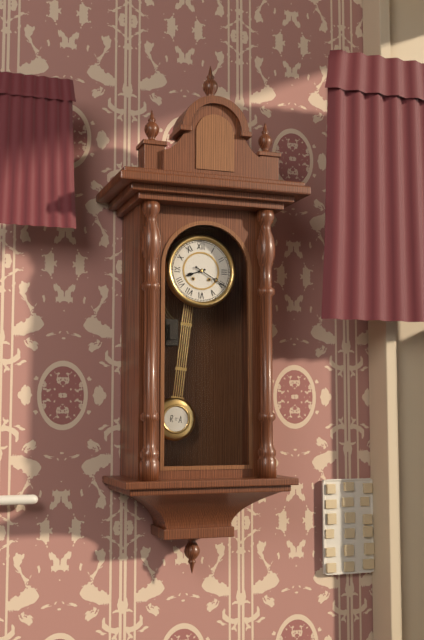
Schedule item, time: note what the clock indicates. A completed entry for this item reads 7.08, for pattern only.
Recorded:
8.20
